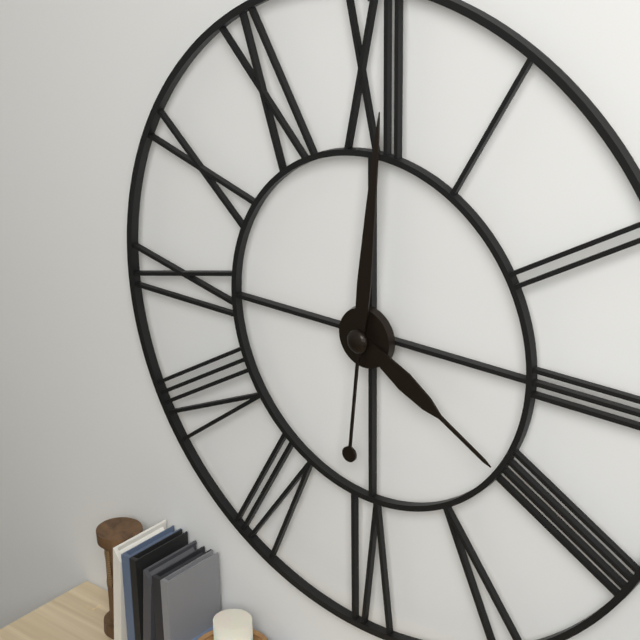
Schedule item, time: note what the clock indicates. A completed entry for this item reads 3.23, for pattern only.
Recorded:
4.01
